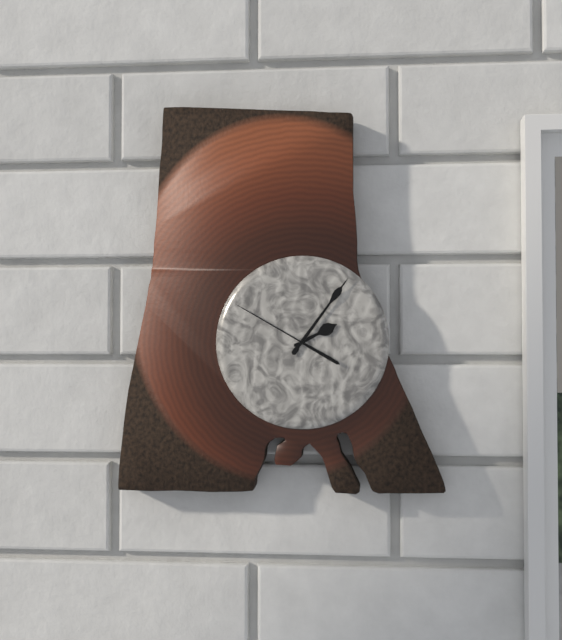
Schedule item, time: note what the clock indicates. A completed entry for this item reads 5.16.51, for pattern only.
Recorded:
2.06.50
